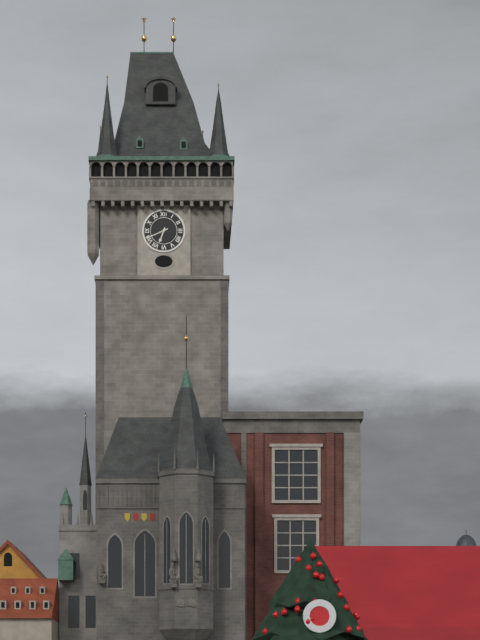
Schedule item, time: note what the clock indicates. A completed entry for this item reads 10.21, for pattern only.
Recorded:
6.41
